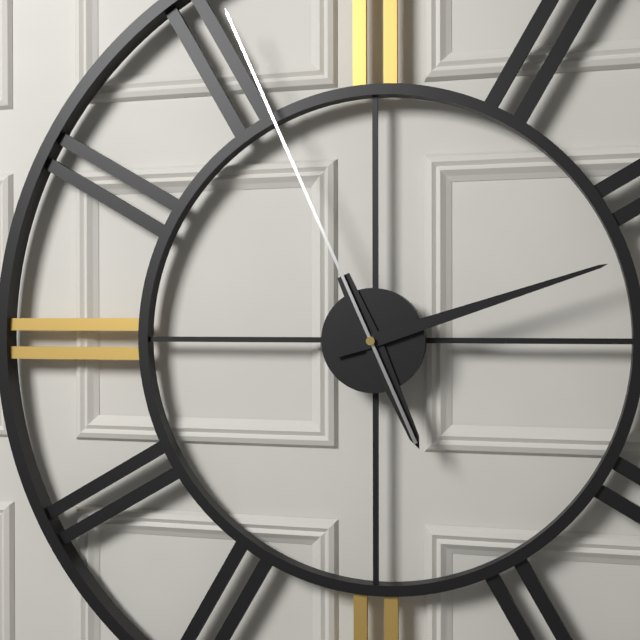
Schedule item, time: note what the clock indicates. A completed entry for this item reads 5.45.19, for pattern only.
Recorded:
5.12.56
